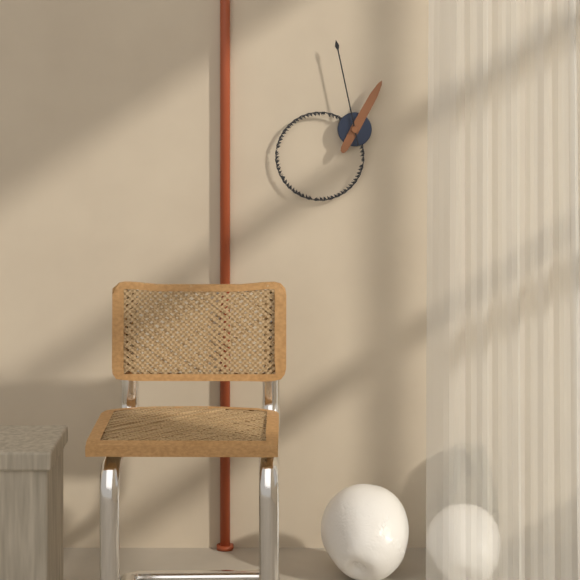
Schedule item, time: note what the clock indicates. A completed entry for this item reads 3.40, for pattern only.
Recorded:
12.58
